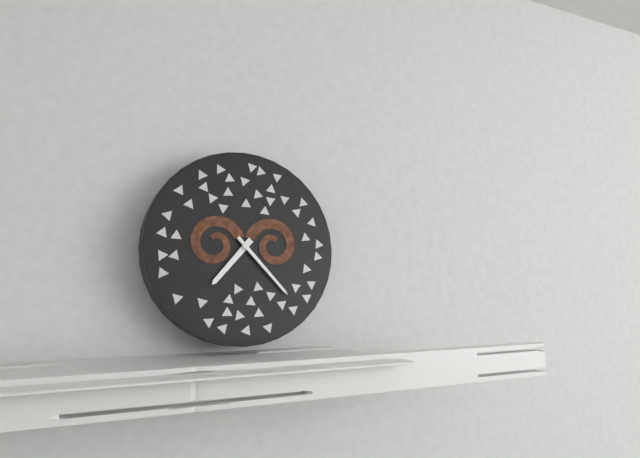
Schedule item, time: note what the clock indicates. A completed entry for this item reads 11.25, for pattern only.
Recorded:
7.23
